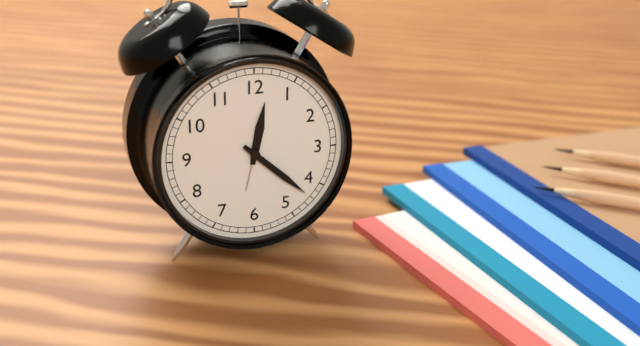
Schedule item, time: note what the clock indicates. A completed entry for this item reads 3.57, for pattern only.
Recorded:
12.22
